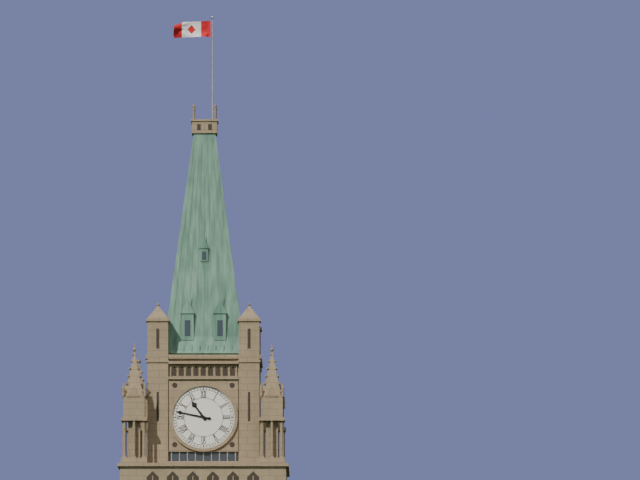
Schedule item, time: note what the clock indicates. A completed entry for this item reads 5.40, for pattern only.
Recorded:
10.47
